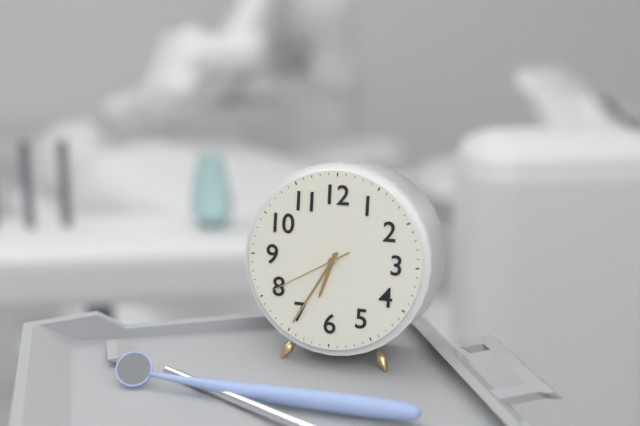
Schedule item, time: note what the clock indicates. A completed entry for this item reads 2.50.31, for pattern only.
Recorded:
6.35.40
